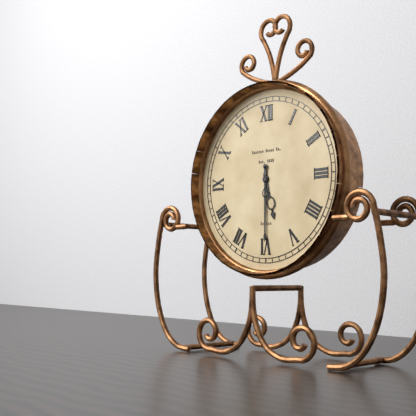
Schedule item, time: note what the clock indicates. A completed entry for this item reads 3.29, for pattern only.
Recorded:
5.30
